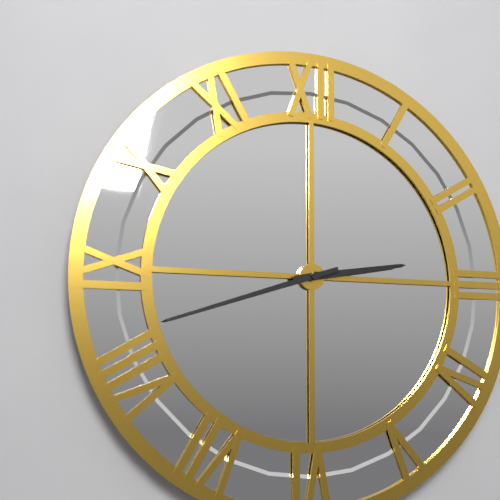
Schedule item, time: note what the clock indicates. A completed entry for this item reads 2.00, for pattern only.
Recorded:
2.42
